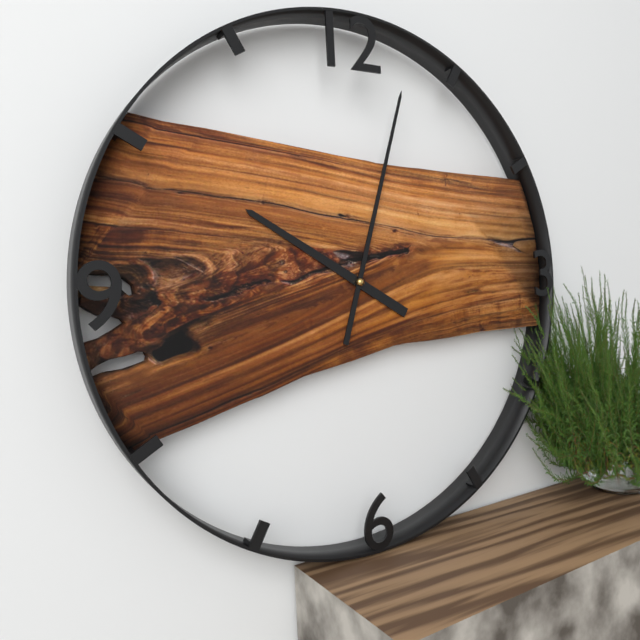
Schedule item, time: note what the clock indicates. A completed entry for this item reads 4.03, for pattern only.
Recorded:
10.03
